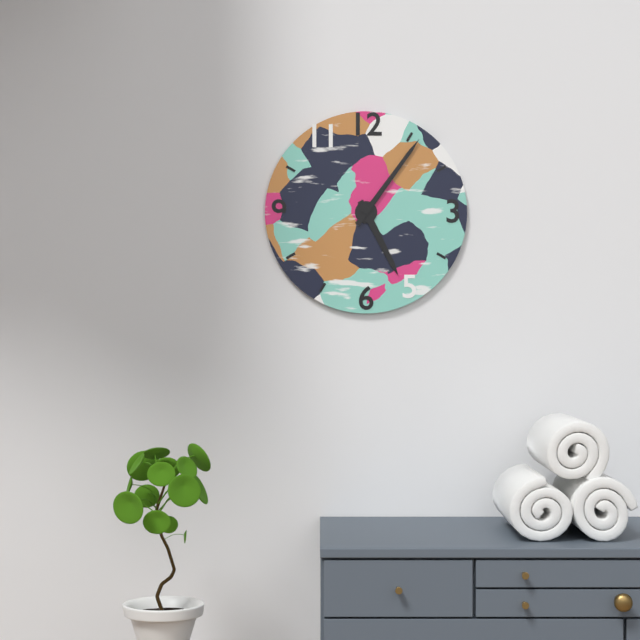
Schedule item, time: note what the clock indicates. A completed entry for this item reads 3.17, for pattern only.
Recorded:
5.06
